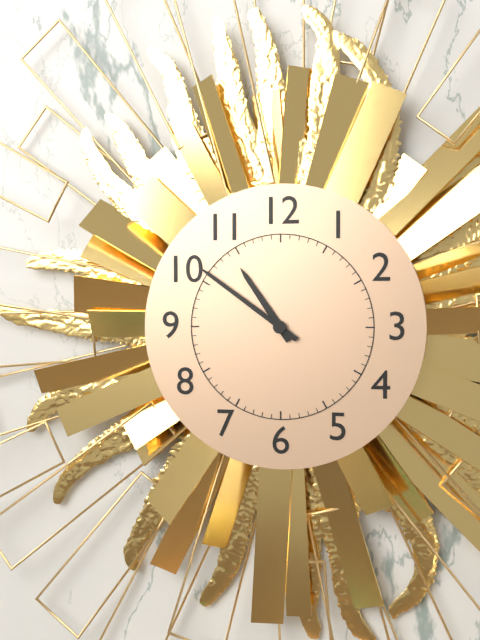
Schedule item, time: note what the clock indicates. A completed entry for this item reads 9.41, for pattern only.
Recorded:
10.51
